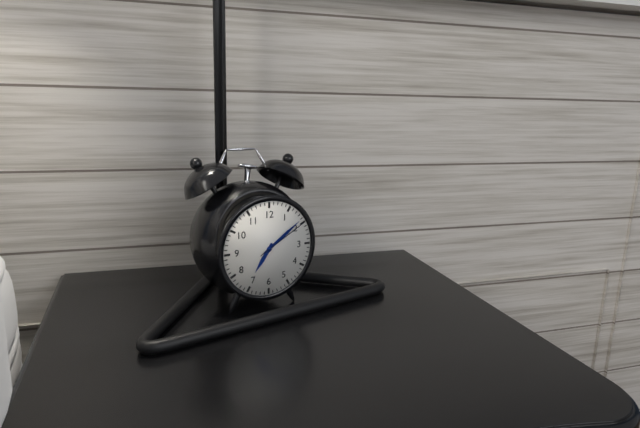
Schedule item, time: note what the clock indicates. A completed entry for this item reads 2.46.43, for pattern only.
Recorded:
7.09.10
